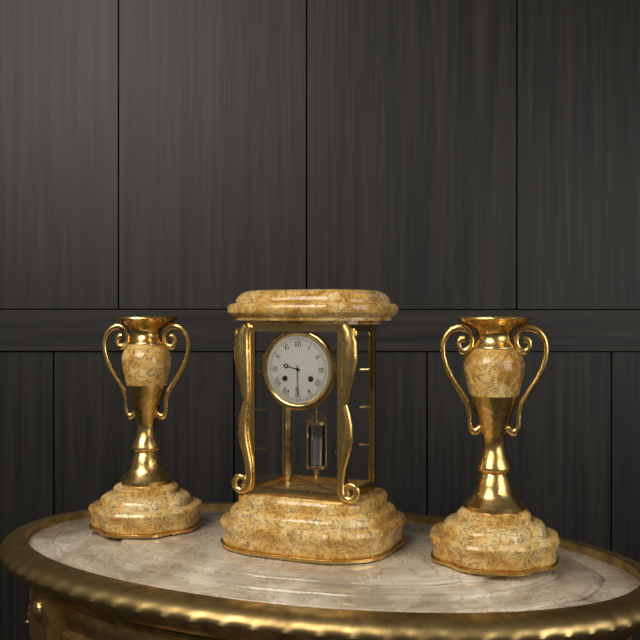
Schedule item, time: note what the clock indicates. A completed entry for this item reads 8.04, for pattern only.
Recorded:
9.30
